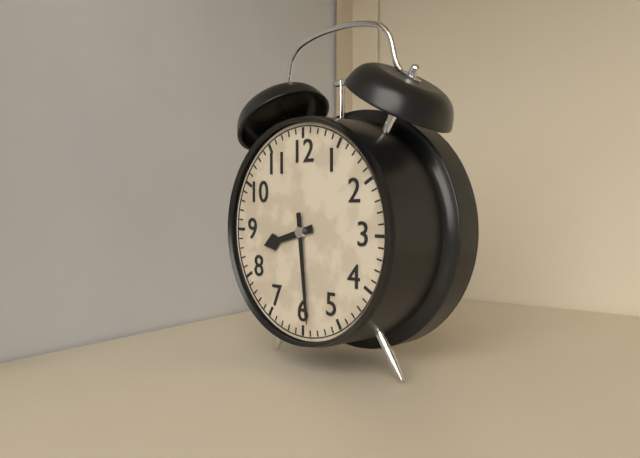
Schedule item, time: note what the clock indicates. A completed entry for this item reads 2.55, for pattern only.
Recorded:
8.29
